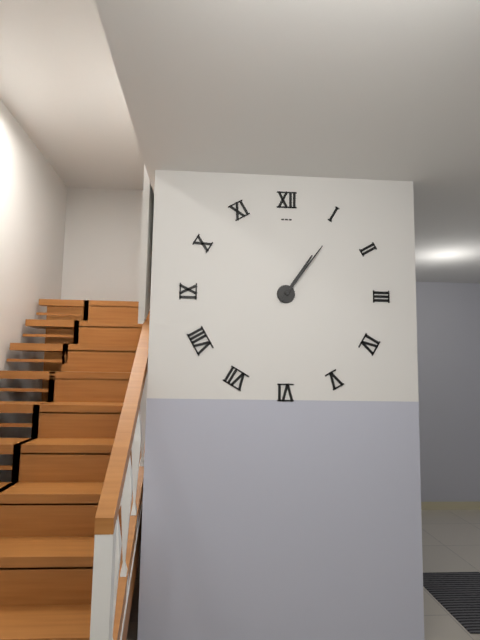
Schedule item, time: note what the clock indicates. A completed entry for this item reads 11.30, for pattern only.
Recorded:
1.06
